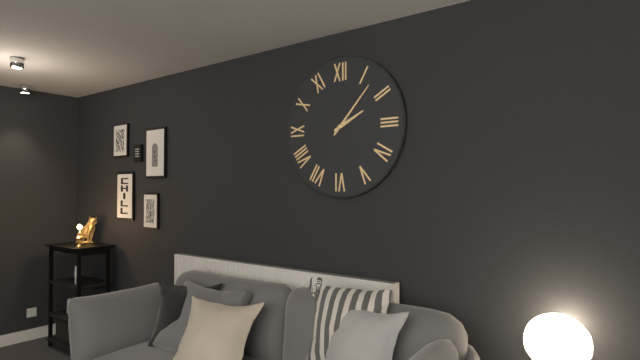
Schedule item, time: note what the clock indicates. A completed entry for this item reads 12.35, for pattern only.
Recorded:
2.07
